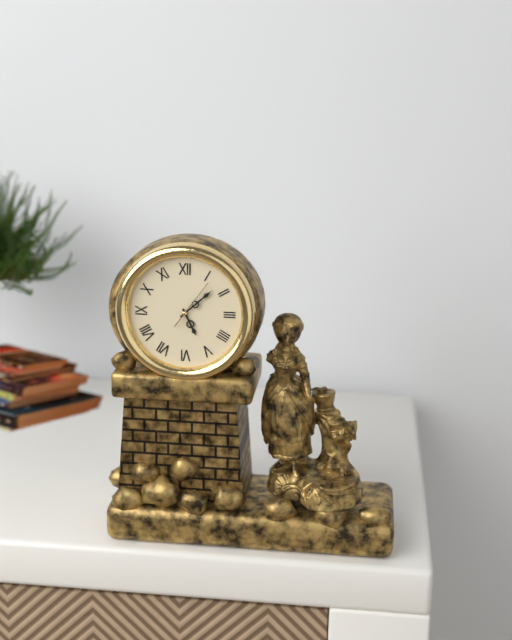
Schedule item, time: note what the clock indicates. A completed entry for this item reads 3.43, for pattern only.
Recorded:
5.08
